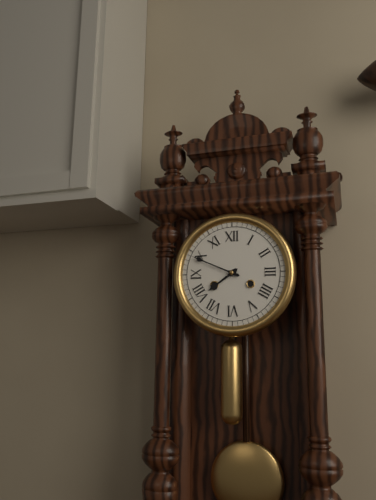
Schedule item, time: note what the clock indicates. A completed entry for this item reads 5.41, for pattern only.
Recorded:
7.49
